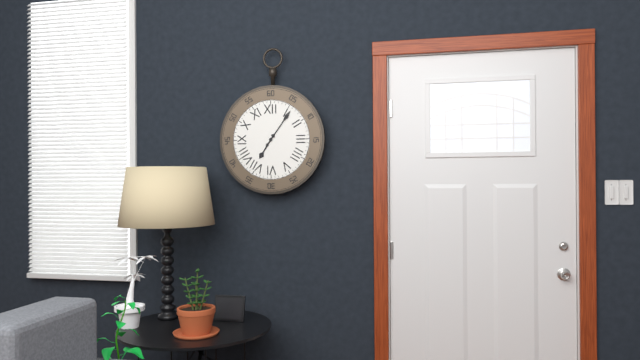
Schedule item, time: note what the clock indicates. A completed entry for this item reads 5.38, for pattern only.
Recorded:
7.06
